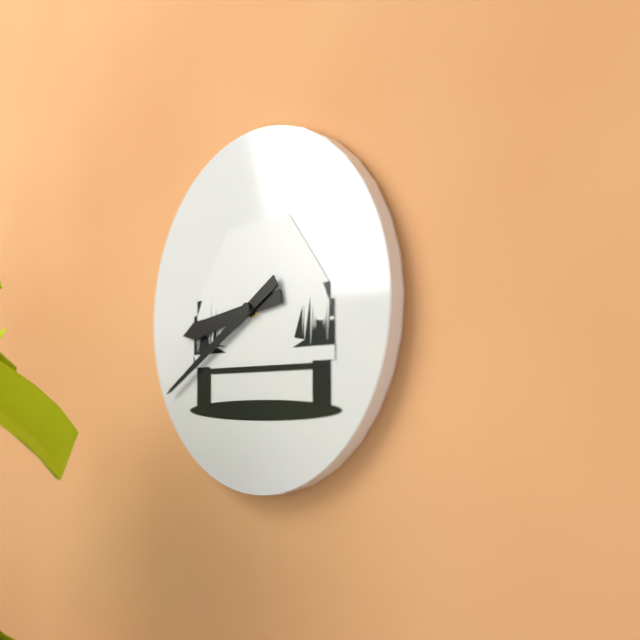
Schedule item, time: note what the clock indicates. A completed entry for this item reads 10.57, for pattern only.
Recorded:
8.40
